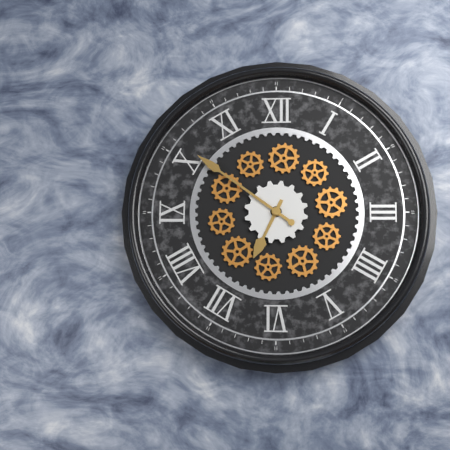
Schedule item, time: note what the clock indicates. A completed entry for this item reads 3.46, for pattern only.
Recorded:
6.51
